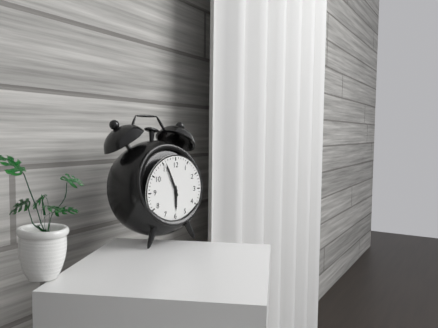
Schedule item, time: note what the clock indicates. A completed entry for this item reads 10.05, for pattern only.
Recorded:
5.56
